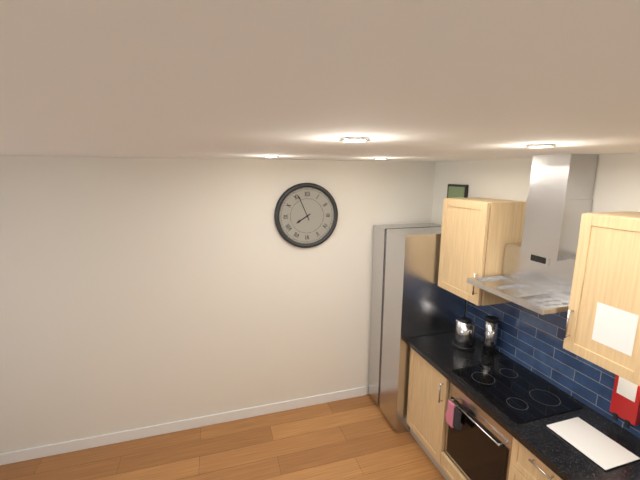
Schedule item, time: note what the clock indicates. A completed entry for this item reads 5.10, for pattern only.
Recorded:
7.56
